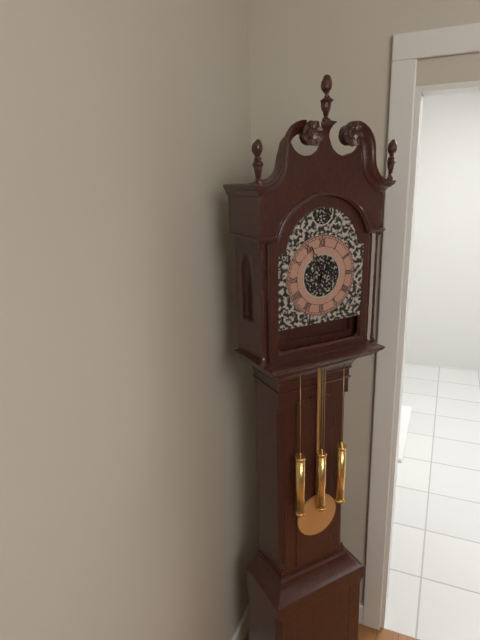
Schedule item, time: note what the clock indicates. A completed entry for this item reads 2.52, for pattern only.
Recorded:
12.56
